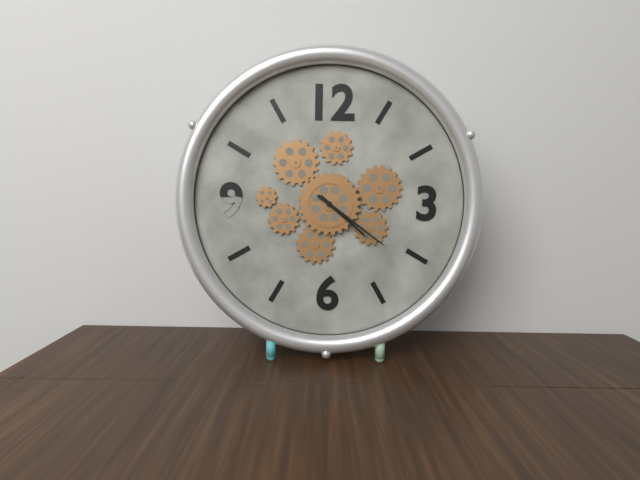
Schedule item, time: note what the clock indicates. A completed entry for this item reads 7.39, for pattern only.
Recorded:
4.21
